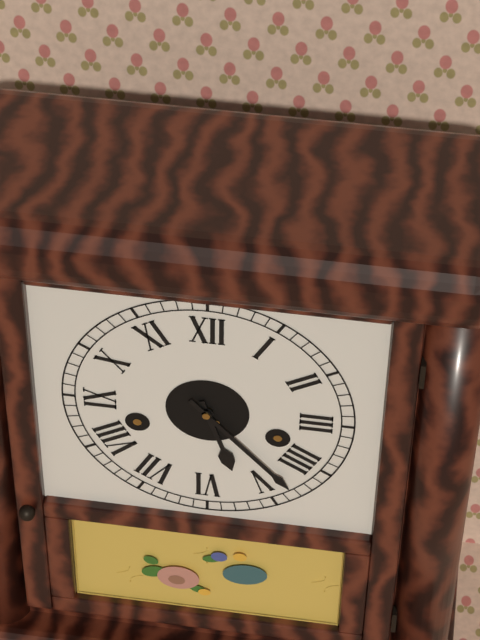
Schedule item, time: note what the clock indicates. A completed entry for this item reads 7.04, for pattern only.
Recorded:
5.23
